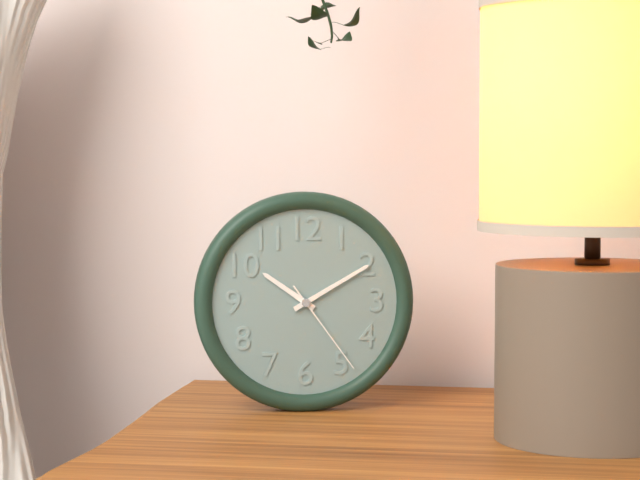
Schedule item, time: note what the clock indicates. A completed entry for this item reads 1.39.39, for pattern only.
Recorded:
10.10.24
